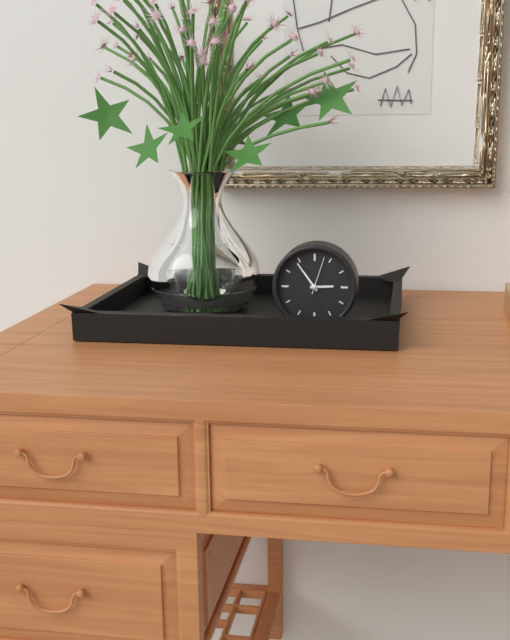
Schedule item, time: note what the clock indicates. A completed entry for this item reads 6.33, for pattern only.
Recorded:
2.54
